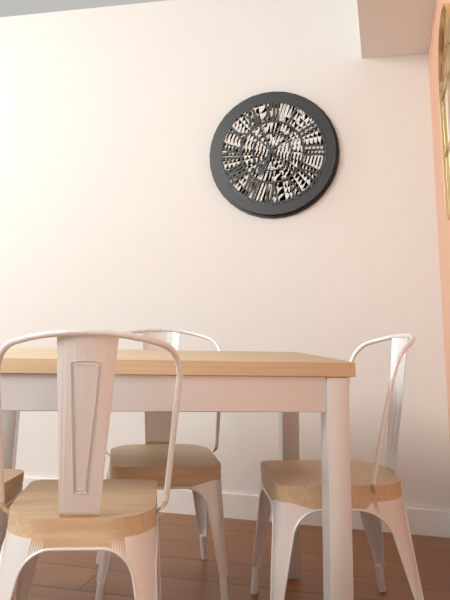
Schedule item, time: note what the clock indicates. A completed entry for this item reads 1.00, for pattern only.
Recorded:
6.56
